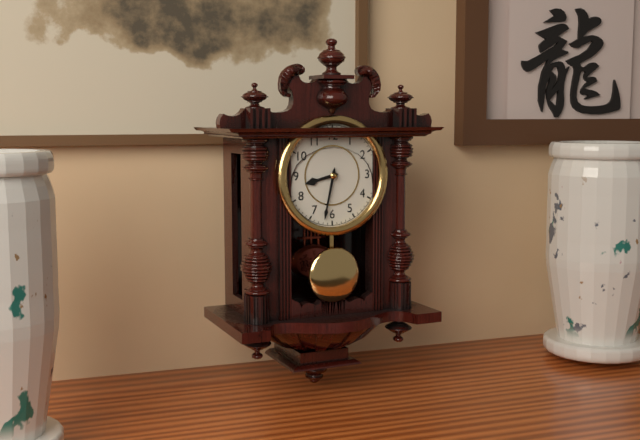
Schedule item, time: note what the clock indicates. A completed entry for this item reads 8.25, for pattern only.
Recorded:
8.32
